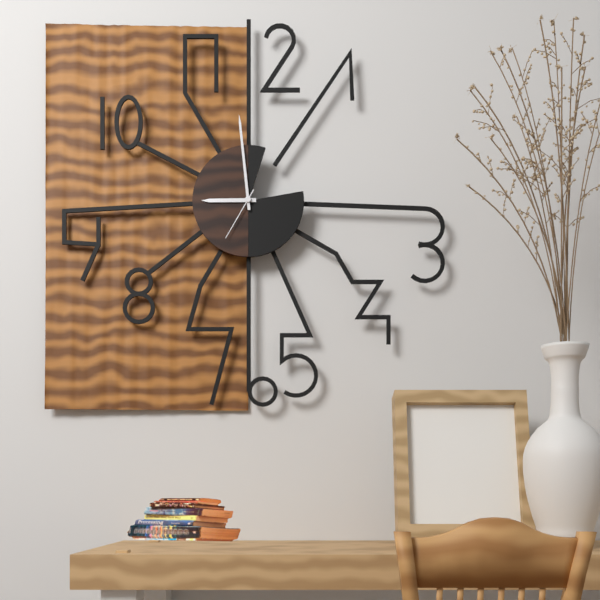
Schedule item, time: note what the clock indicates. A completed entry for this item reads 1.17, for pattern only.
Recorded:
8.59
